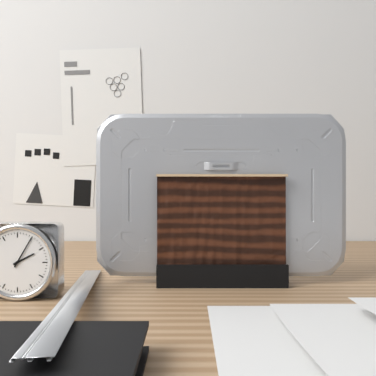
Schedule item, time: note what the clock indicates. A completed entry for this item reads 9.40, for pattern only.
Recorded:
2.05
